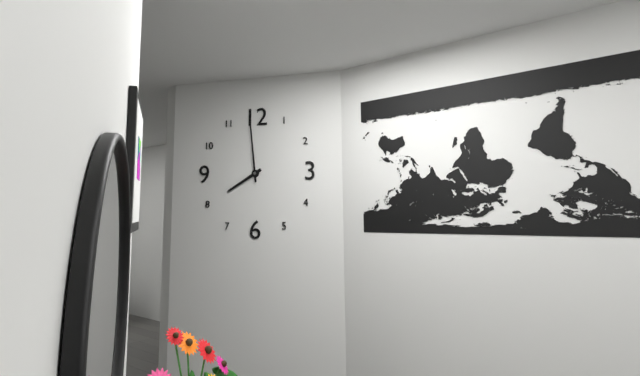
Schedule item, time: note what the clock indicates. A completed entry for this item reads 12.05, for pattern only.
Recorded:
7.59
